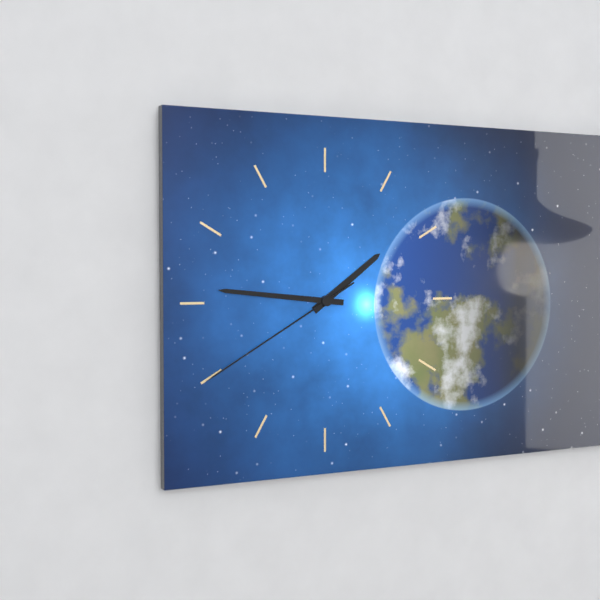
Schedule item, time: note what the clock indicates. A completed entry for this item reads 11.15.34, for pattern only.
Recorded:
1.46.40
